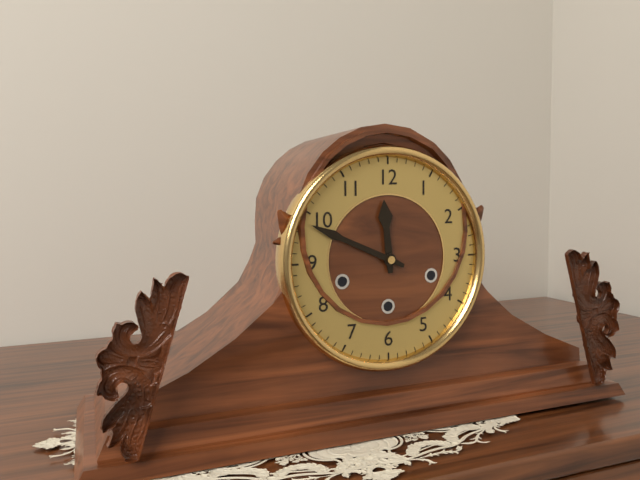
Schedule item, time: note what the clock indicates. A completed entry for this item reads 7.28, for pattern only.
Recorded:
11.49
